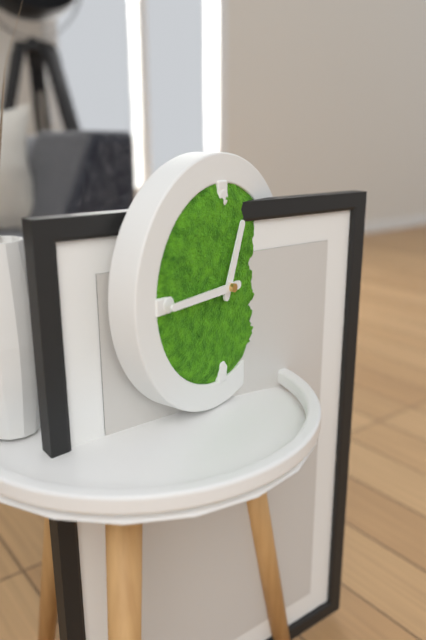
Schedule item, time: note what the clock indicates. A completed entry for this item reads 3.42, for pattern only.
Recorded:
12.45
